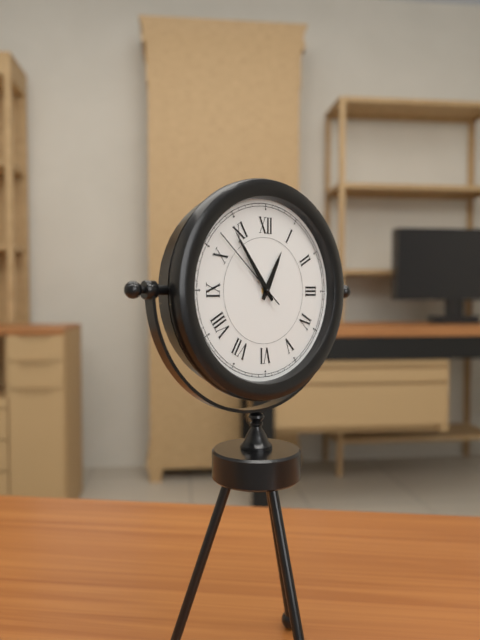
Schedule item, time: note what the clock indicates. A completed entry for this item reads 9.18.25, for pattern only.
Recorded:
12.54.52
